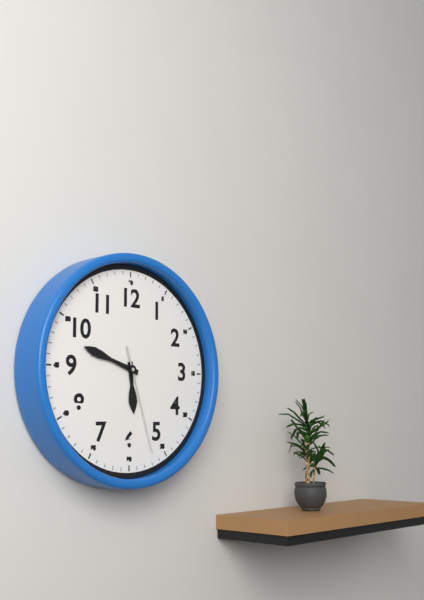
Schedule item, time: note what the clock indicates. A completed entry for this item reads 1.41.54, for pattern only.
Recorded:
5.48.27
